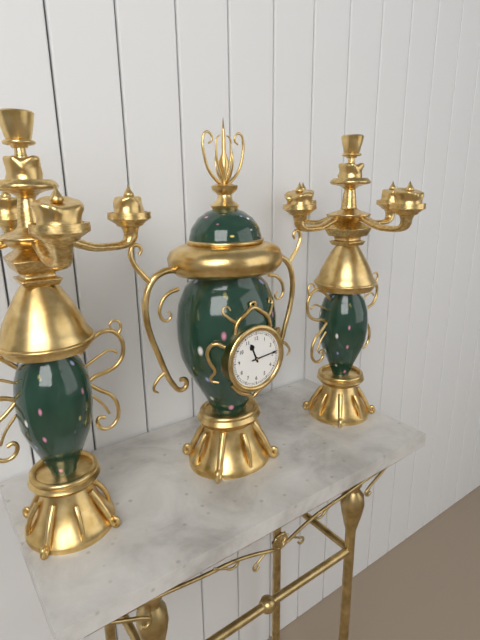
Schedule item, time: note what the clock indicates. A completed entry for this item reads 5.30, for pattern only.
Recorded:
11.14
